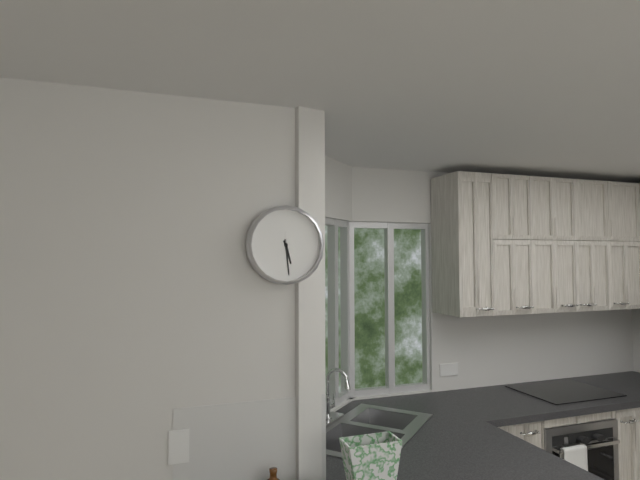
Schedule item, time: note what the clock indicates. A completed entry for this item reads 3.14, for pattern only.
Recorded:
5.29
